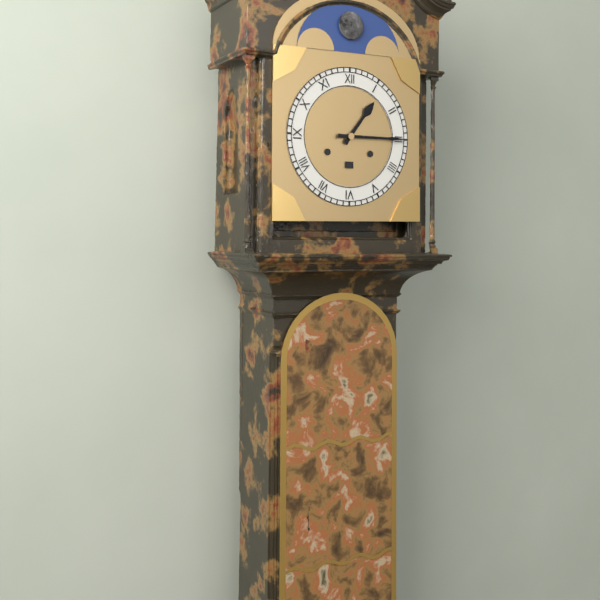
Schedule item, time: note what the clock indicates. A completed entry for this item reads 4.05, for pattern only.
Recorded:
1.15
